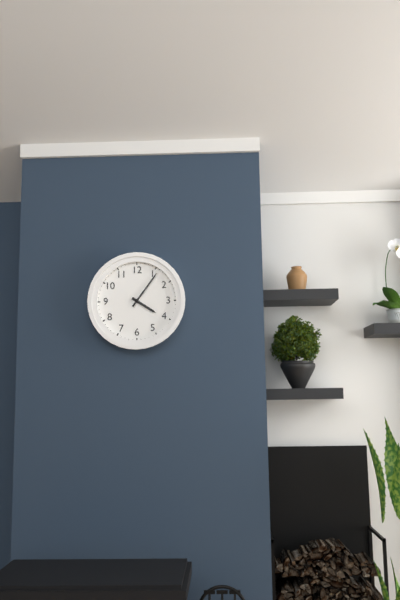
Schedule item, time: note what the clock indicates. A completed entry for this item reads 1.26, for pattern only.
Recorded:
4.06
